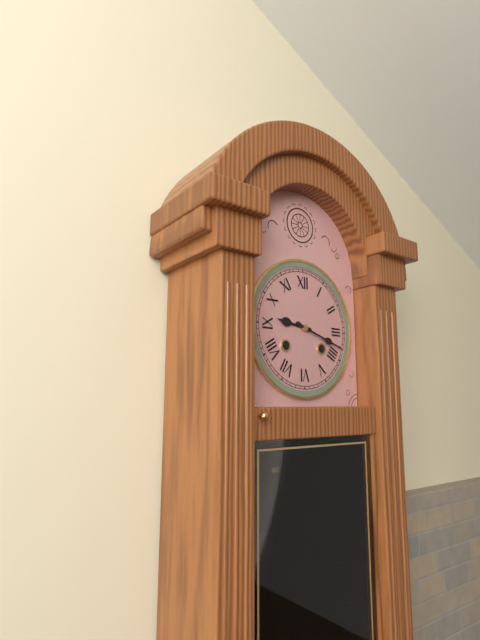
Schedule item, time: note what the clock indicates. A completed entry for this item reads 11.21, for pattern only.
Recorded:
9.18
